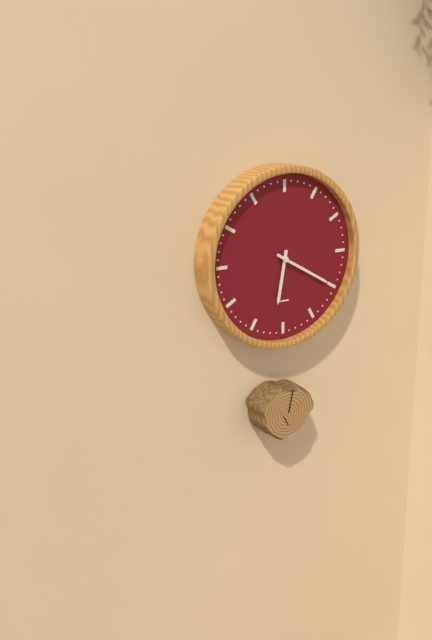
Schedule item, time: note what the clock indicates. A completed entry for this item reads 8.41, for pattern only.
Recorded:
6.20
